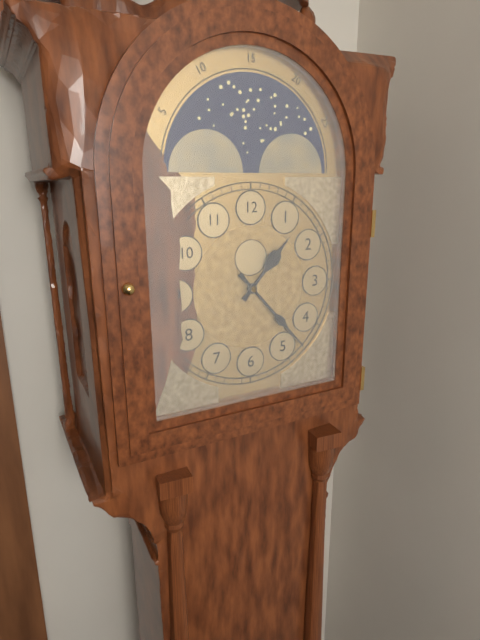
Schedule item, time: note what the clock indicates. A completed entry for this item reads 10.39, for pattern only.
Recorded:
1.23
